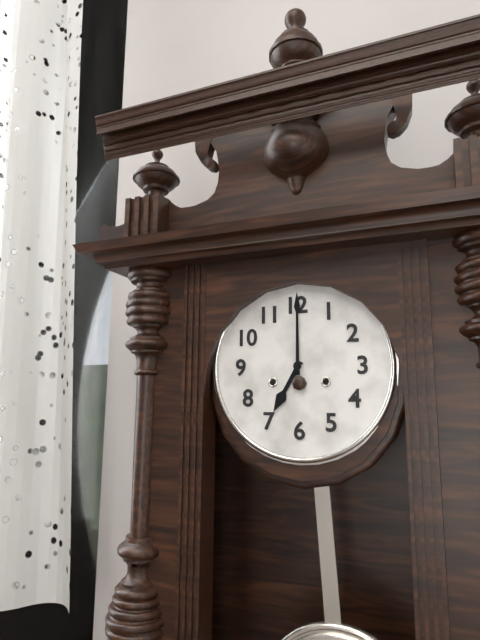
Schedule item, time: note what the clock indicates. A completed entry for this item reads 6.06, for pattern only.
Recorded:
7.00
